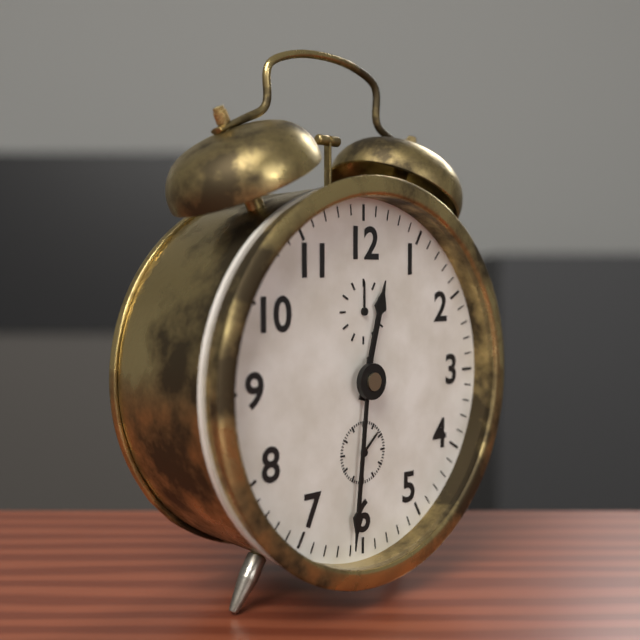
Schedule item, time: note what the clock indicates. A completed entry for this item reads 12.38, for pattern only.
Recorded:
12.31
